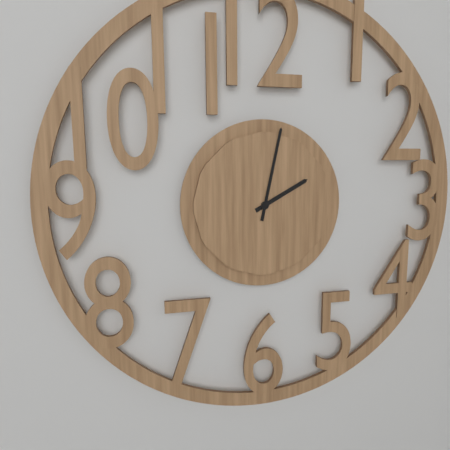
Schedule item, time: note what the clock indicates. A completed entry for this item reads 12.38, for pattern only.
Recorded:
2.02
